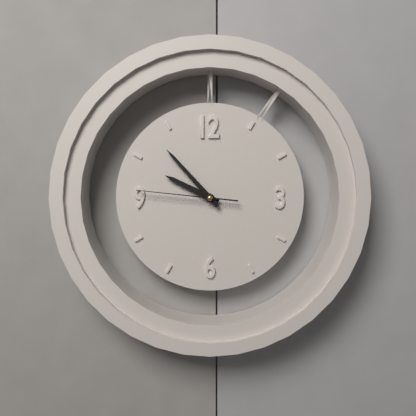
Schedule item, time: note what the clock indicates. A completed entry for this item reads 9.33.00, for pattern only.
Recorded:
9.53.46
